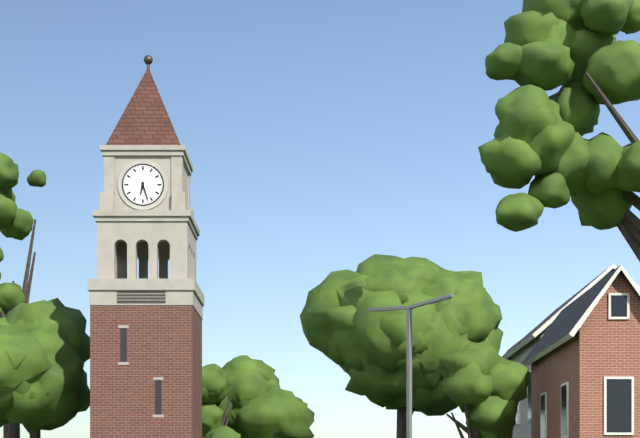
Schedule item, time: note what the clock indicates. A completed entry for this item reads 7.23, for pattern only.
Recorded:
6.27
